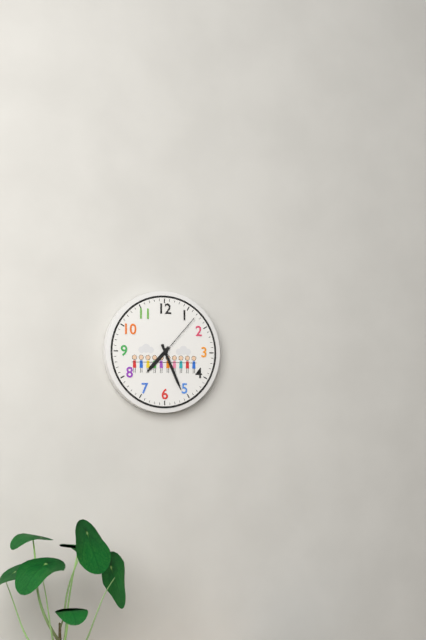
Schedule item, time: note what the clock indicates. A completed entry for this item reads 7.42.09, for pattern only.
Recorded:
7.26.07
